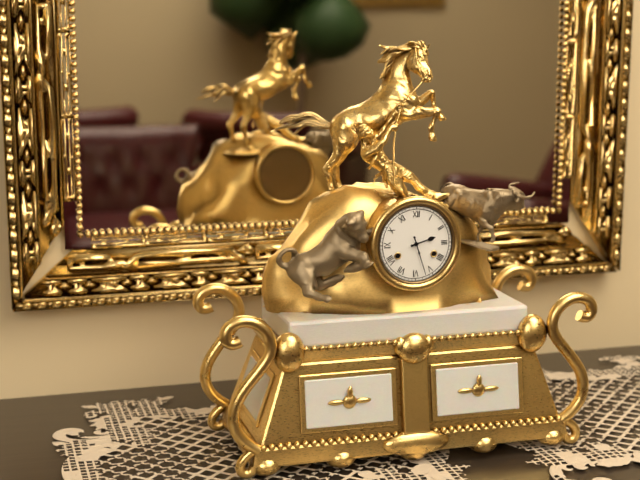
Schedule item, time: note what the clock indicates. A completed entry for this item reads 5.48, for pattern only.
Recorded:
2.27
